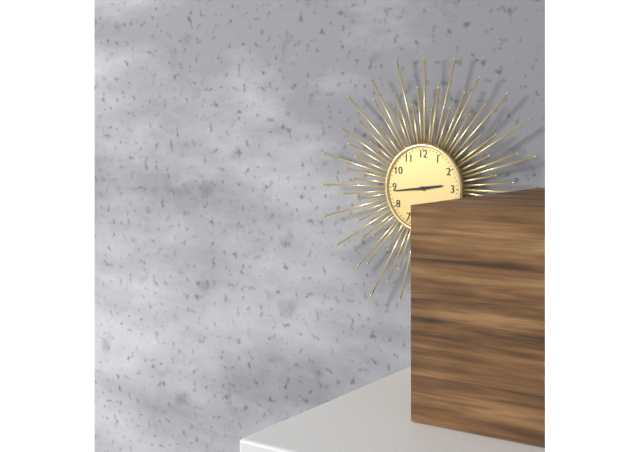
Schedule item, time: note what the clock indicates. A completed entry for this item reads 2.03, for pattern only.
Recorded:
2.44
